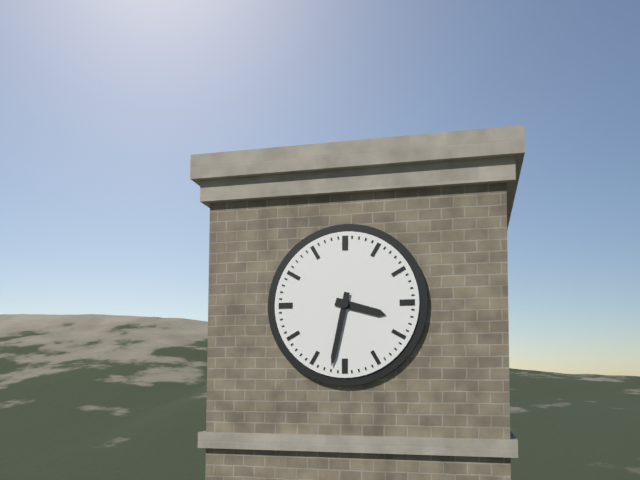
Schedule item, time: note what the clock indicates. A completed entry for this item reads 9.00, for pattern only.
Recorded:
3.32
